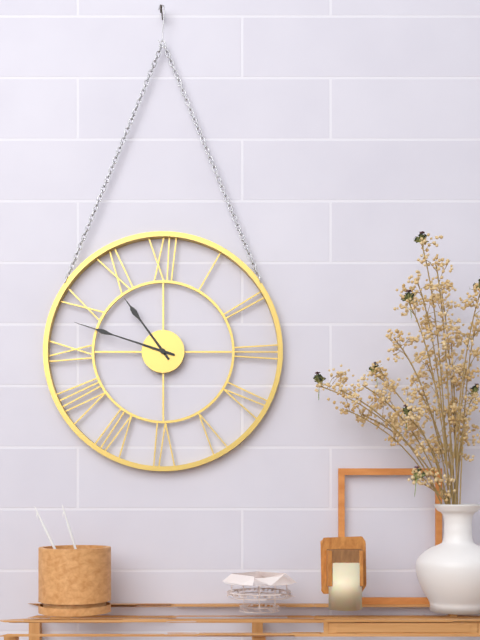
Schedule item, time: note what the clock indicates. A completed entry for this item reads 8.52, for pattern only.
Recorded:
10.48
